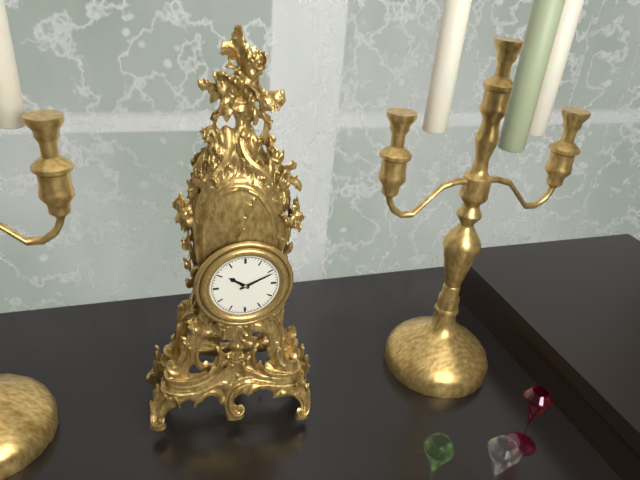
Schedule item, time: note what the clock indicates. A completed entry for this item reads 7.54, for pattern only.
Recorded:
10.11
